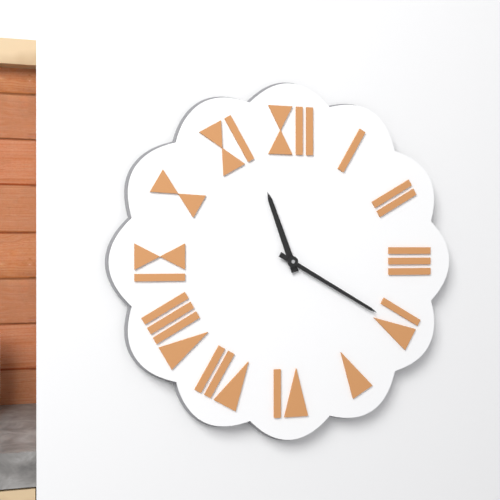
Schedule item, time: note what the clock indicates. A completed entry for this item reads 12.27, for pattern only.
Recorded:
11.20
